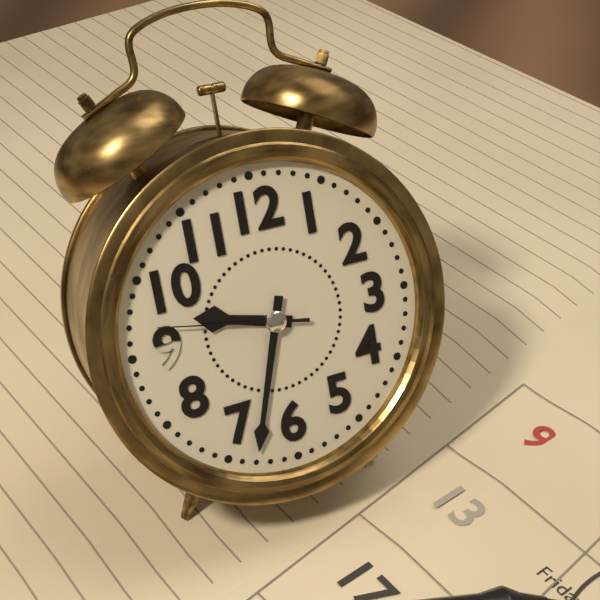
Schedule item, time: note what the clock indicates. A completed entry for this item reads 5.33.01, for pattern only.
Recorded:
9.33.47
